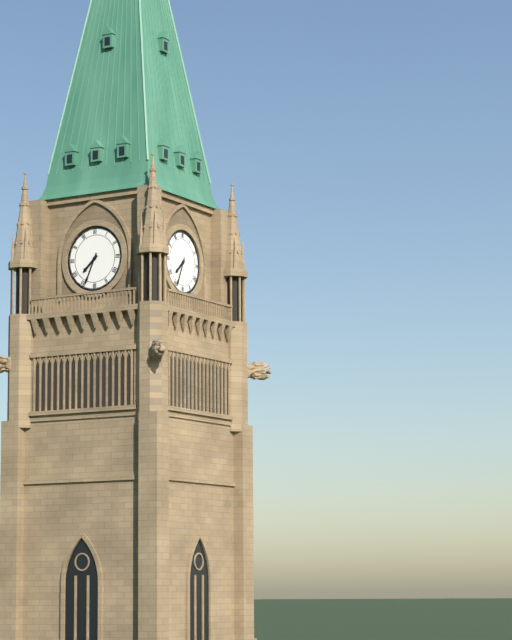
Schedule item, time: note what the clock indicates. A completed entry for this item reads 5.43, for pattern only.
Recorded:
7.34
